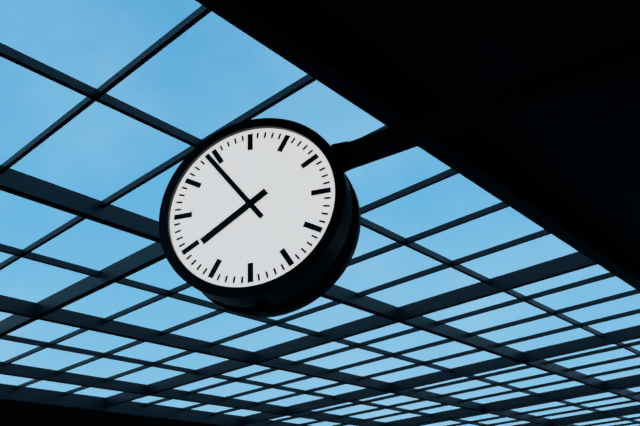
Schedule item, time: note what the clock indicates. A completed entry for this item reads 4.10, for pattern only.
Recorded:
7.54
